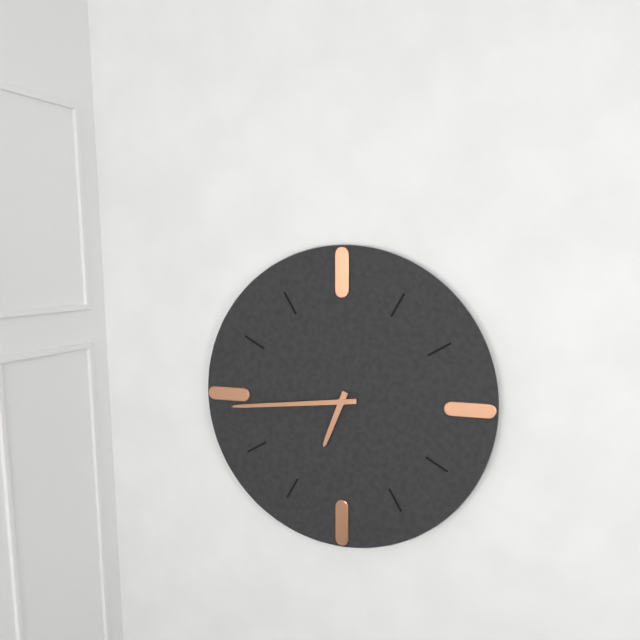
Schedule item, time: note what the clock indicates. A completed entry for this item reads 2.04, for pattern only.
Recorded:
6.44
